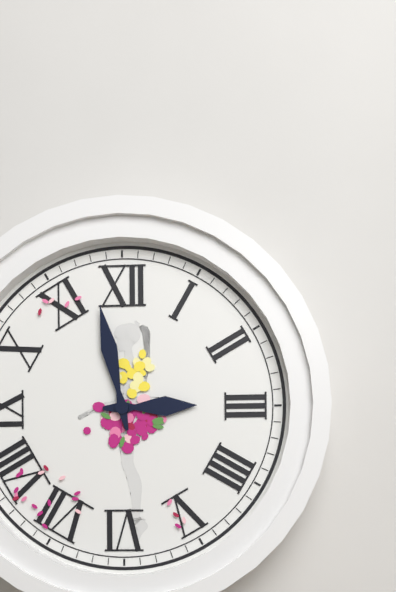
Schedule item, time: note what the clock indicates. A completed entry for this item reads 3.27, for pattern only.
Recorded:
2.58
